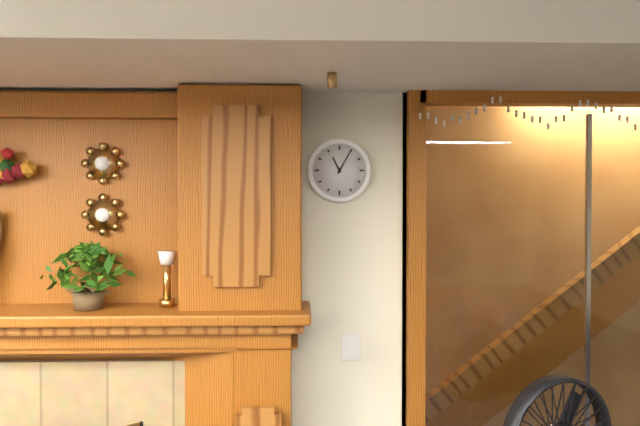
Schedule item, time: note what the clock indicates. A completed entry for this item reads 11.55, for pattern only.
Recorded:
11.05
